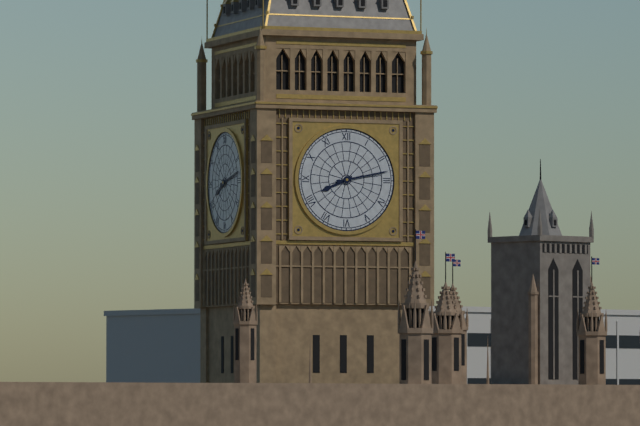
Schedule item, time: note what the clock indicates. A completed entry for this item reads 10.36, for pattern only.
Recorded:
8.13
